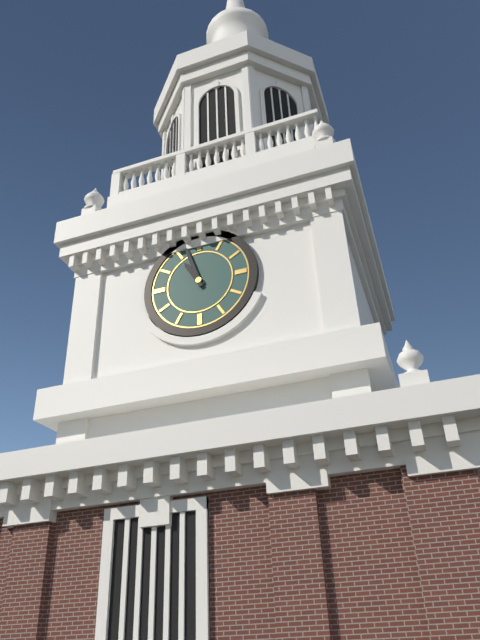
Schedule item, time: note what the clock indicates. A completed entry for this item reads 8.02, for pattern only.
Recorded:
10.57
